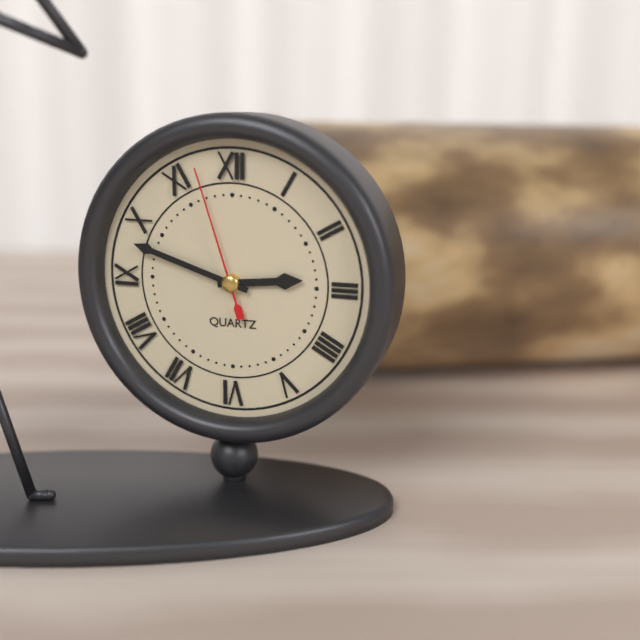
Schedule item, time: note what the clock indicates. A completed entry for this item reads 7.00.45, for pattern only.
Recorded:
2.48.57
